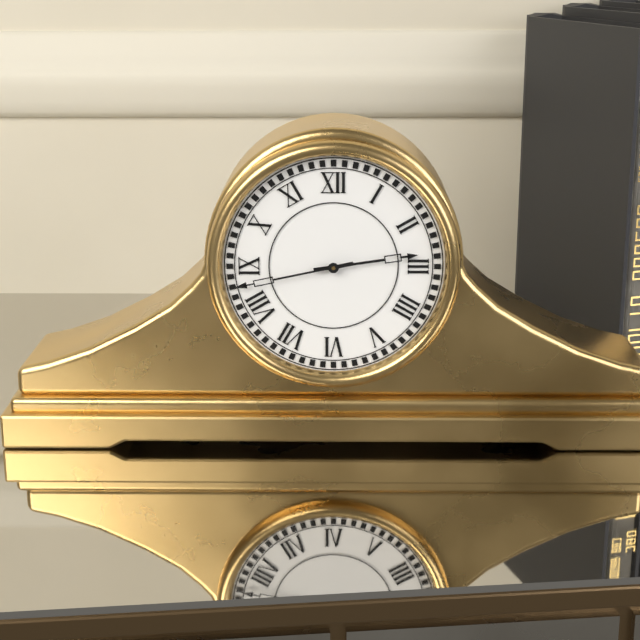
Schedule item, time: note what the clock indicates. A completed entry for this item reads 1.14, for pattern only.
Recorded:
2.43
